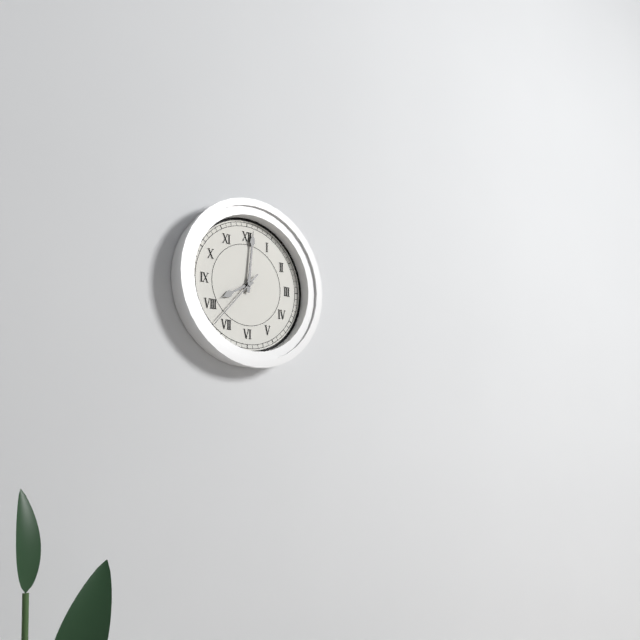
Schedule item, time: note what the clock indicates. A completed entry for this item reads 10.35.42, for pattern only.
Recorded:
8.01.37
